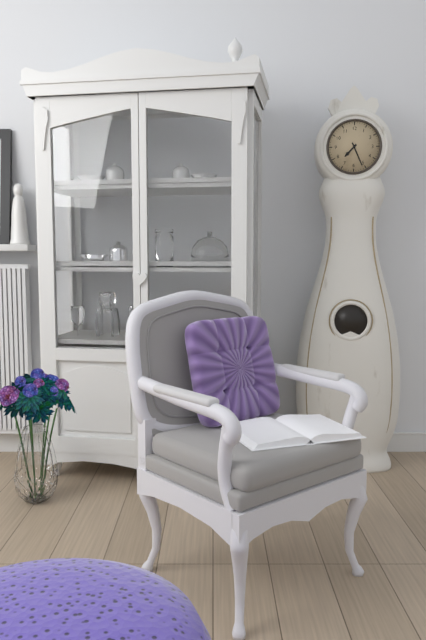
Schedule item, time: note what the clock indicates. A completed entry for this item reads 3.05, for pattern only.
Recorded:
7.26
